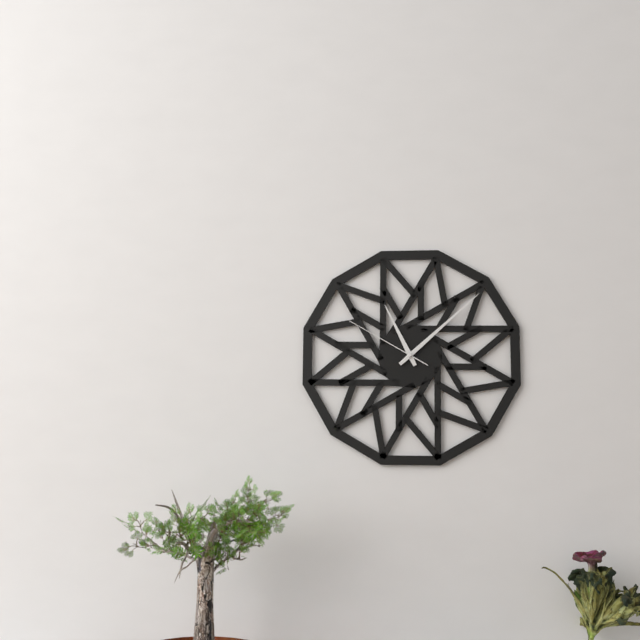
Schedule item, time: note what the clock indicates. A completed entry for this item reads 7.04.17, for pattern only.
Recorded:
11.08.50
